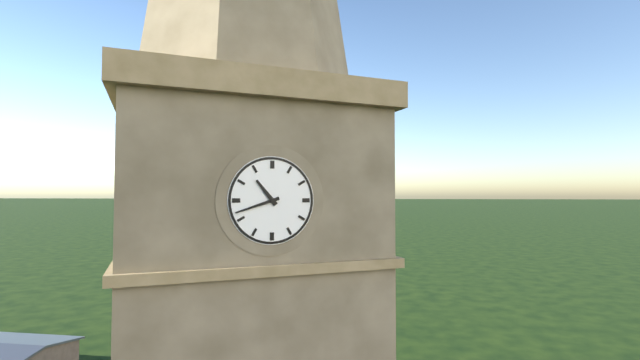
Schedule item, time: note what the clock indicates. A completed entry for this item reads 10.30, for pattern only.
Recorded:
10.42
